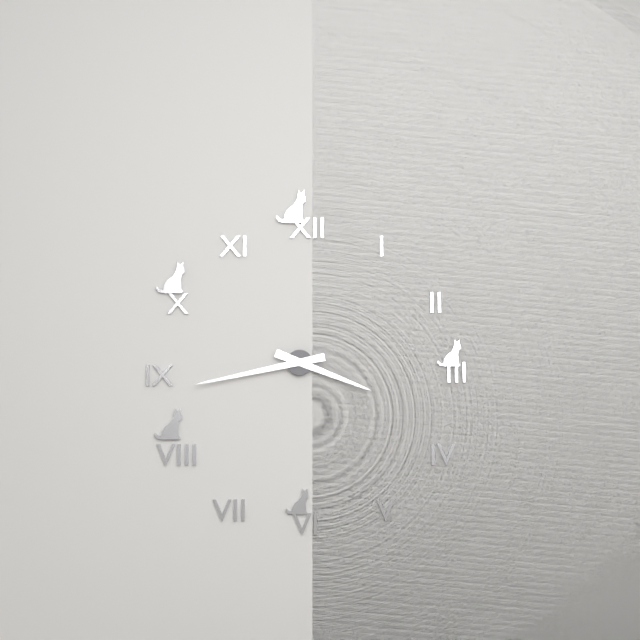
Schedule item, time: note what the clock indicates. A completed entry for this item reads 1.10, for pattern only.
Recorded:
3.43
